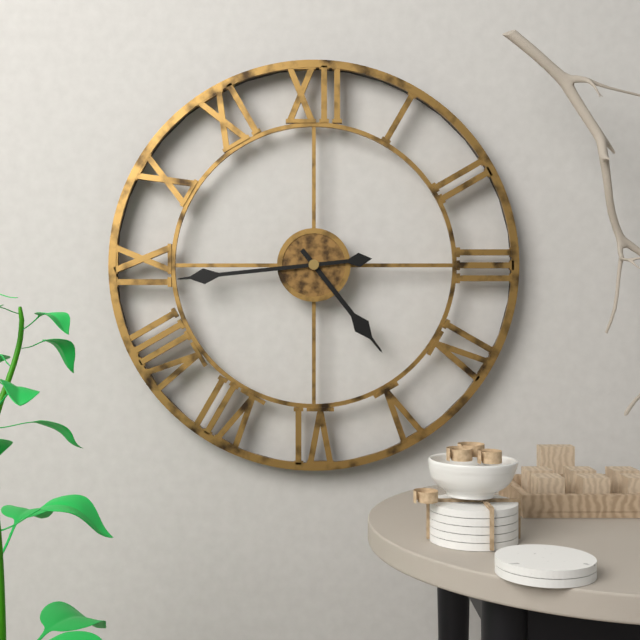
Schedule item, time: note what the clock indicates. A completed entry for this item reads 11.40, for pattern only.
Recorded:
4.44
